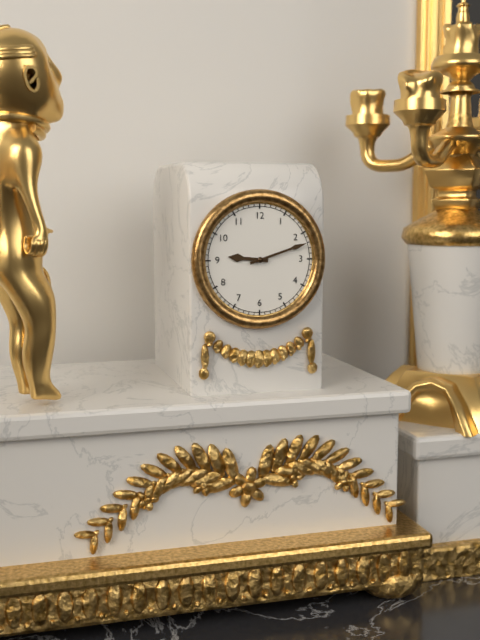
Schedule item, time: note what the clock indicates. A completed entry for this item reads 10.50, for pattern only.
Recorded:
9.12
